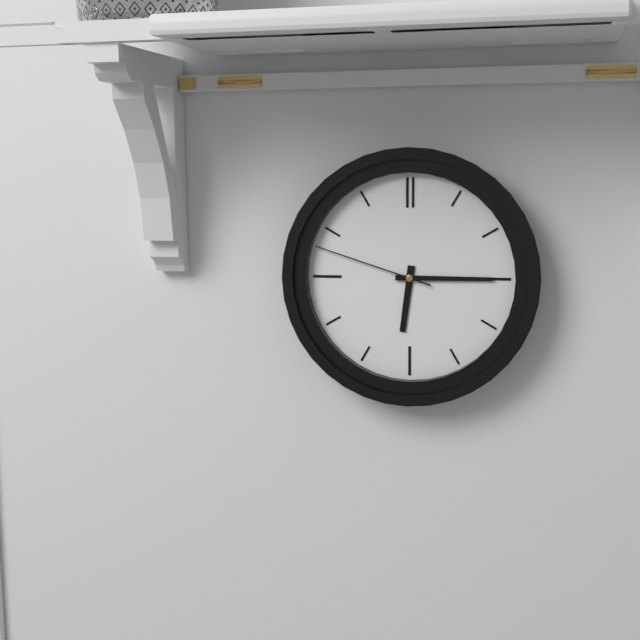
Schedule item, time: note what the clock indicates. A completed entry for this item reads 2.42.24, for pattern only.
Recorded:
6.15.48
